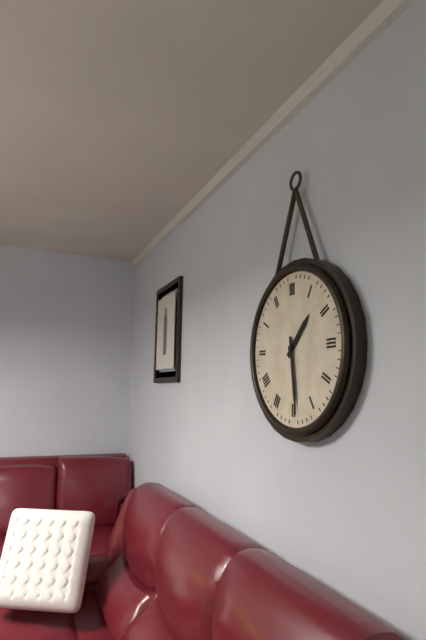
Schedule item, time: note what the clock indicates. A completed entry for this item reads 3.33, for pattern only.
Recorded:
1.29
